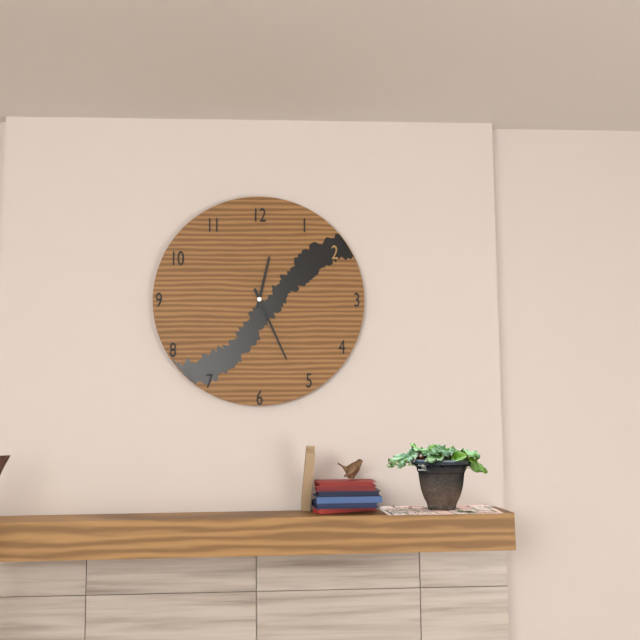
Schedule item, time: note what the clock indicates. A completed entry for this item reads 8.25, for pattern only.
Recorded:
12.26
